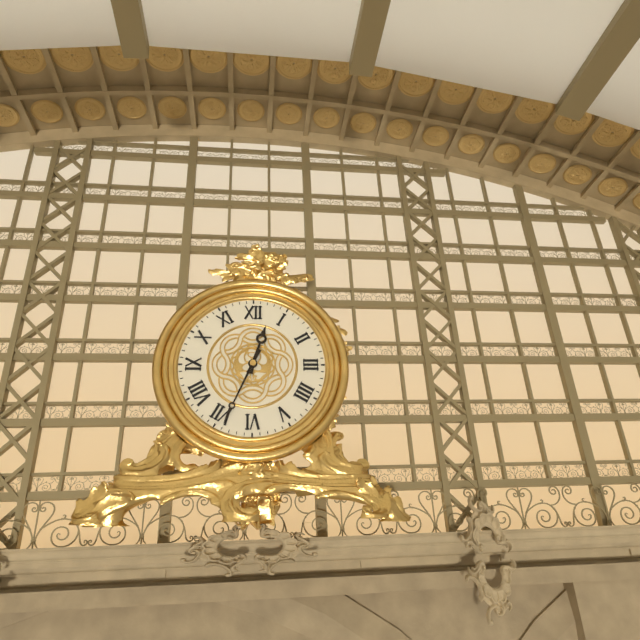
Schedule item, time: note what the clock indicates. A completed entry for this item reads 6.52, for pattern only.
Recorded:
12.34
